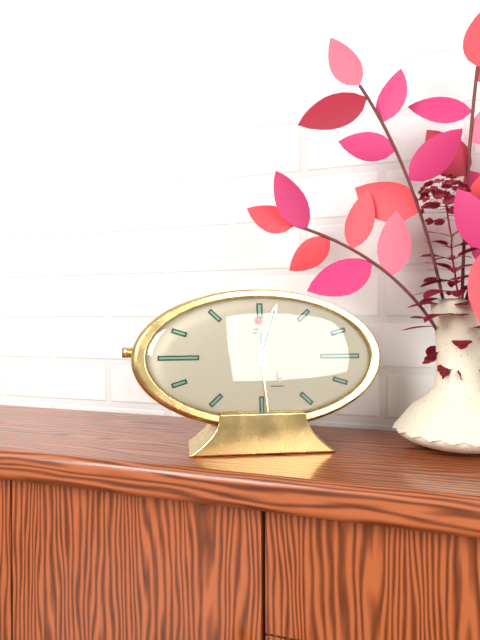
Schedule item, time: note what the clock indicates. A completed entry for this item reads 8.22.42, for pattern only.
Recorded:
12.03.29
